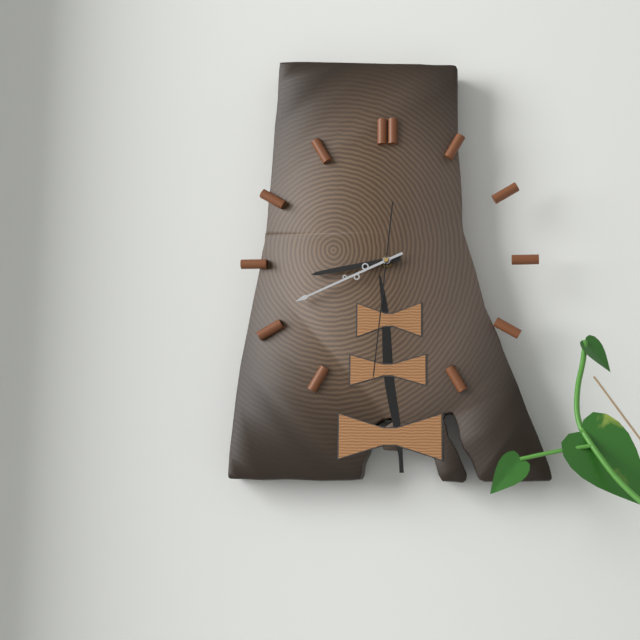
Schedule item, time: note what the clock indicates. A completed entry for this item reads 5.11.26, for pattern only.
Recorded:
8.41.31
